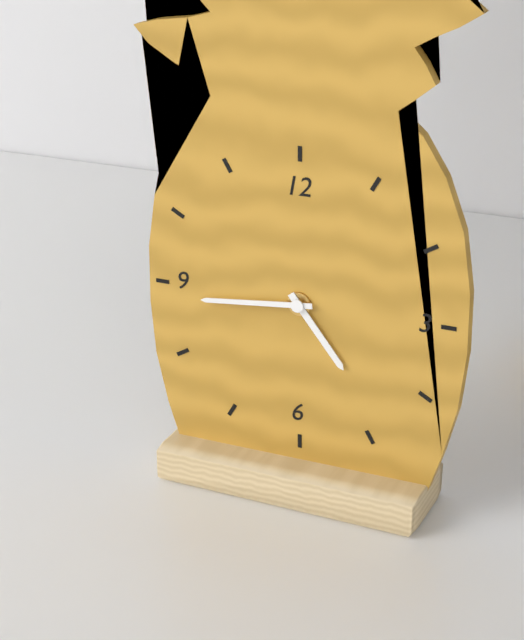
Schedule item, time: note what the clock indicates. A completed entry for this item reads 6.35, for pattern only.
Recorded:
4.44
